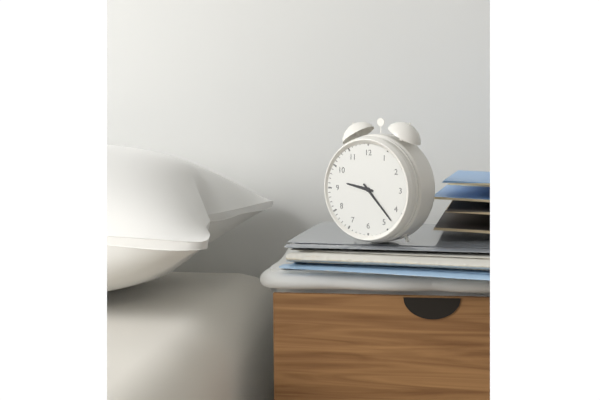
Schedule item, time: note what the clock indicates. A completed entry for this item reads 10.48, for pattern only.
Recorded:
9.23
